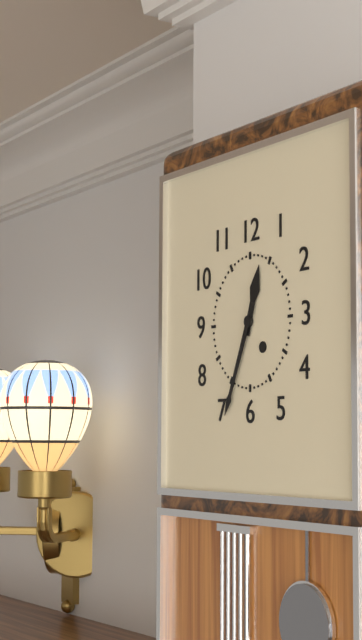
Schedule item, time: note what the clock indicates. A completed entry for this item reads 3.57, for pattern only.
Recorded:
12.34
